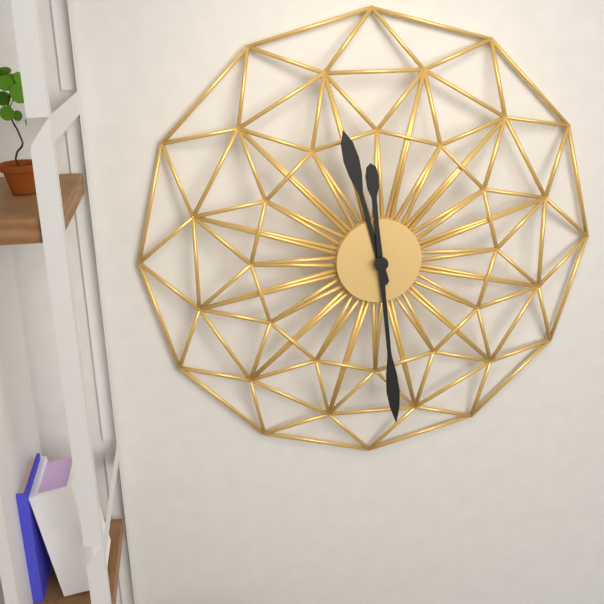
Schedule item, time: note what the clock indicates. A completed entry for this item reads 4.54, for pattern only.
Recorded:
11.29
